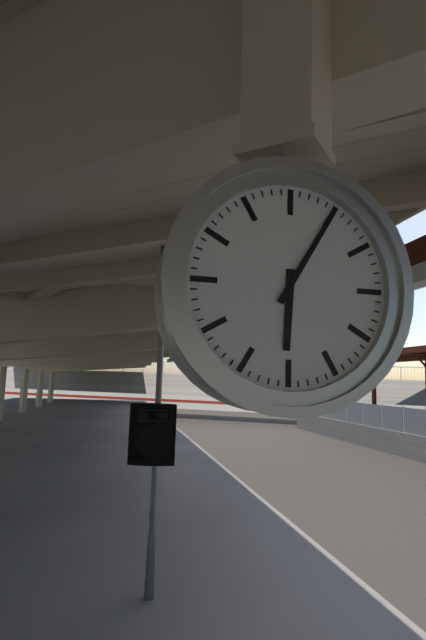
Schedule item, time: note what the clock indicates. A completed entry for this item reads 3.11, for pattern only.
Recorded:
6.05
